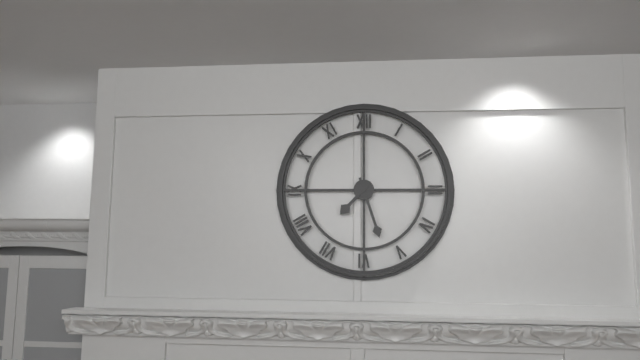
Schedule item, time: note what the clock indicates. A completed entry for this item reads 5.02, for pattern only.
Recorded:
7.27
